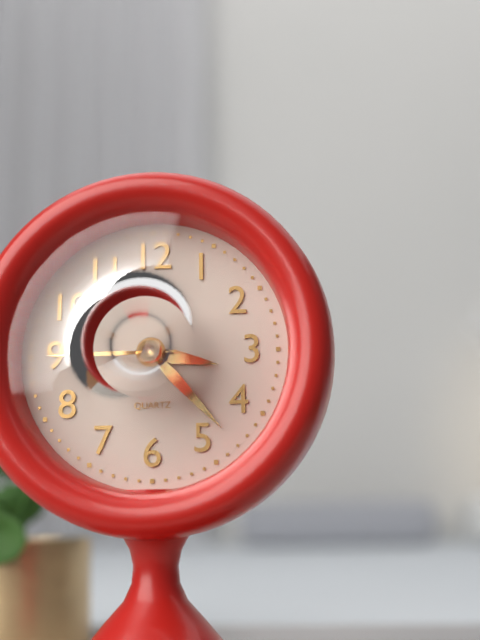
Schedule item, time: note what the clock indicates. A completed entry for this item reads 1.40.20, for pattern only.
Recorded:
3.23.45
